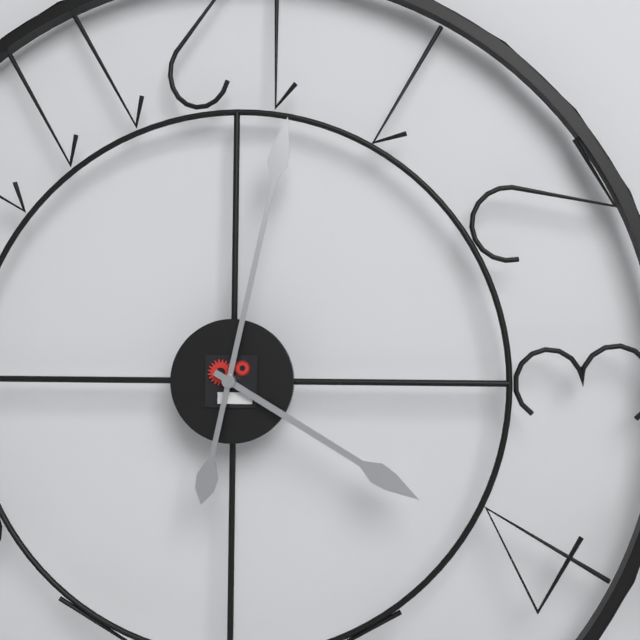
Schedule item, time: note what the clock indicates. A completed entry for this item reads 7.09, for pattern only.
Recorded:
4.02
